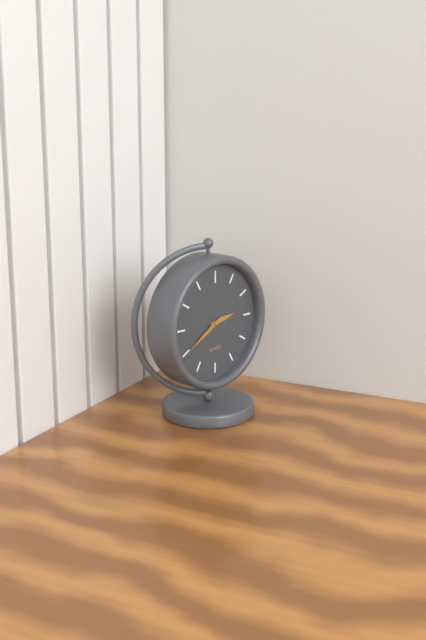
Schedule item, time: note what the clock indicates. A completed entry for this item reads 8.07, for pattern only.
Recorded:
2.40
